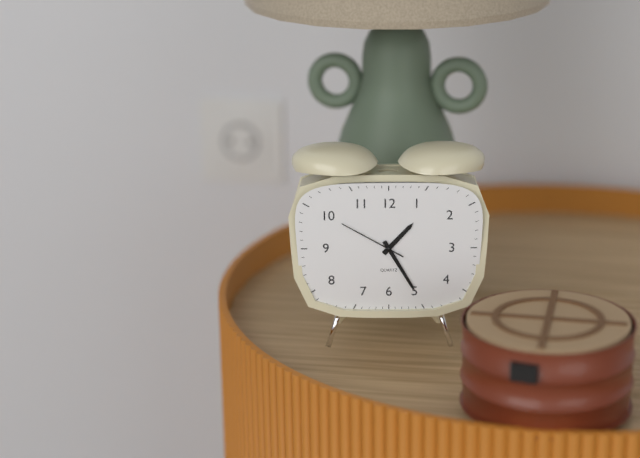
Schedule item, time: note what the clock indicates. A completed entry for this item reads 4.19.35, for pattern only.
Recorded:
1.25.50
